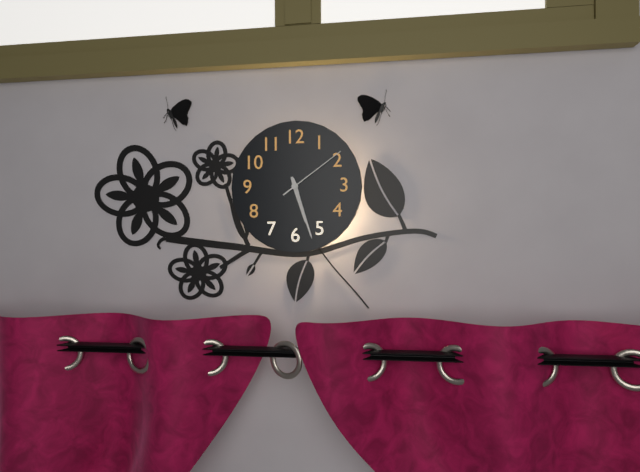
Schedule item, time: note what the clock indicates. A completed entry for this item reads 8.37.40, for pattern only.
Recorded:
5.27.09
